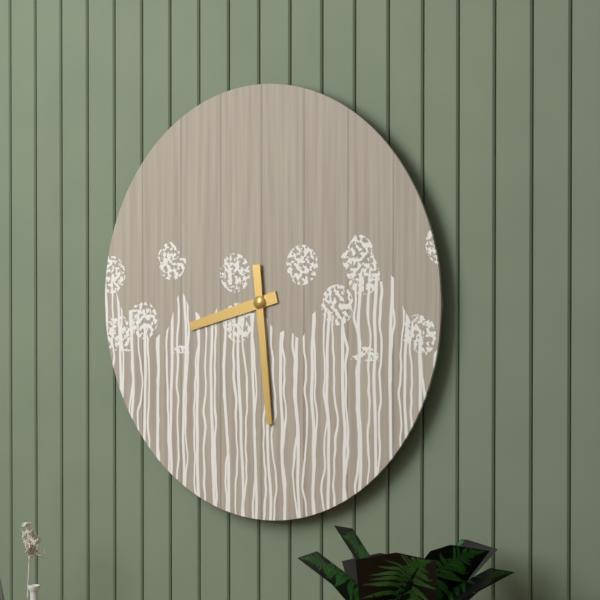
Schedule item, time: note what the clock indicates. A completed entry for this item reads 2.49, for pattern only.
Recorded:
8.29
